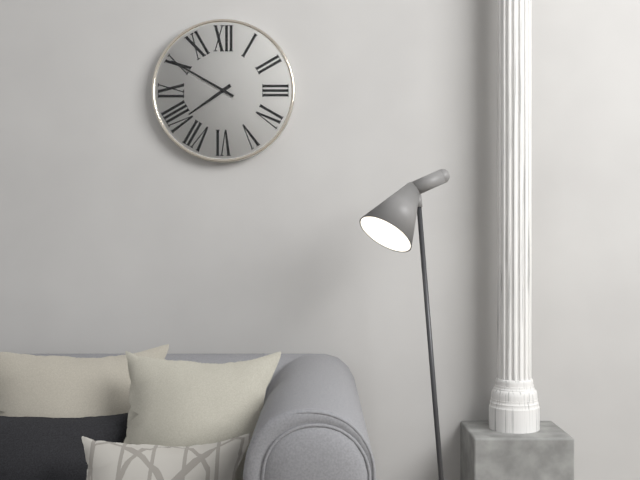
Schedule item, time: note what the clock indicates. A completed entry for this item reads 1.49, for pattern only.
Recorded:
7.50
